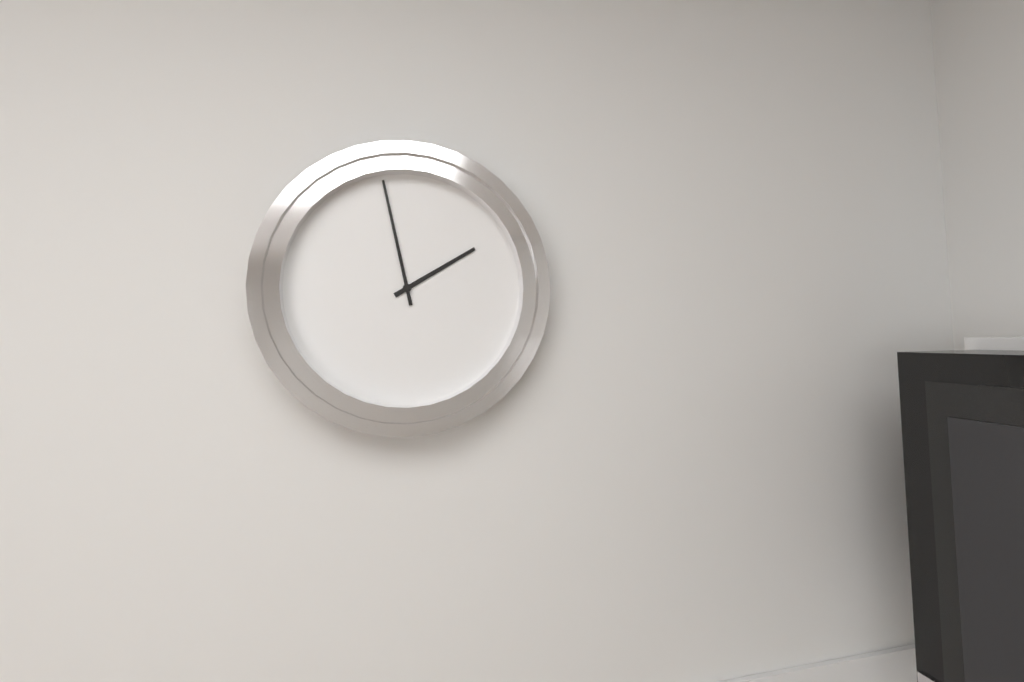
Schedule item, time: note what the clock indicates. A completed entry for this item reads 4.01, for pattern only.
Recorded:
1.58
